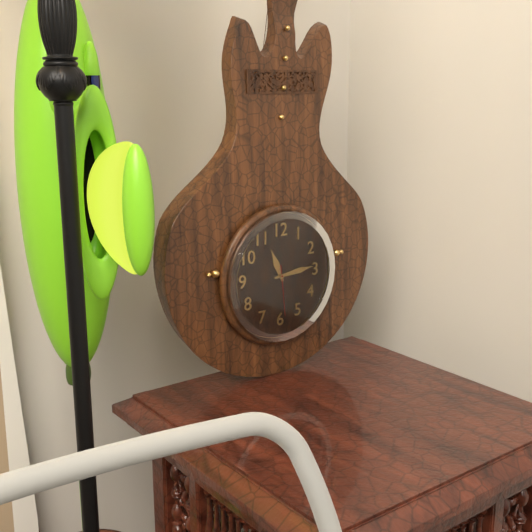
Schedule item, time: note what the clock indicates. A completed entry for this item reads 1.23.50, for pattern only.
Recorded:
11.14.29
